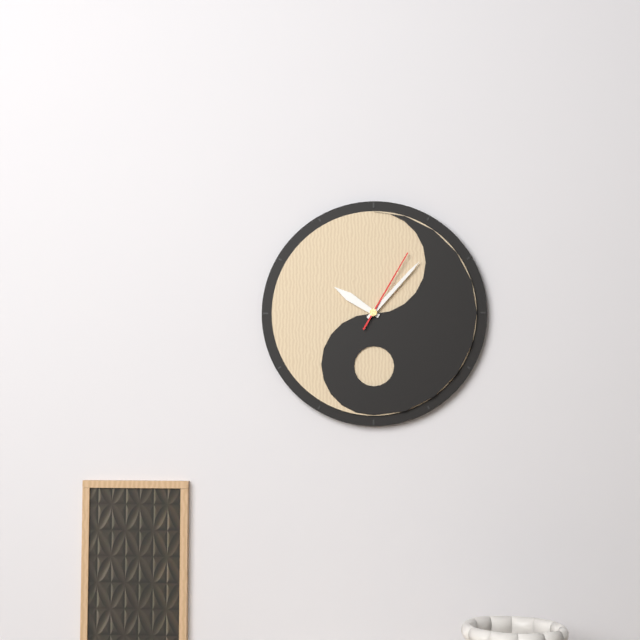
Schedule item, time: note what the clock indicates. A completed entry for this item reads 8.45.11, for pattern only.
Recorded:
10.07.05
